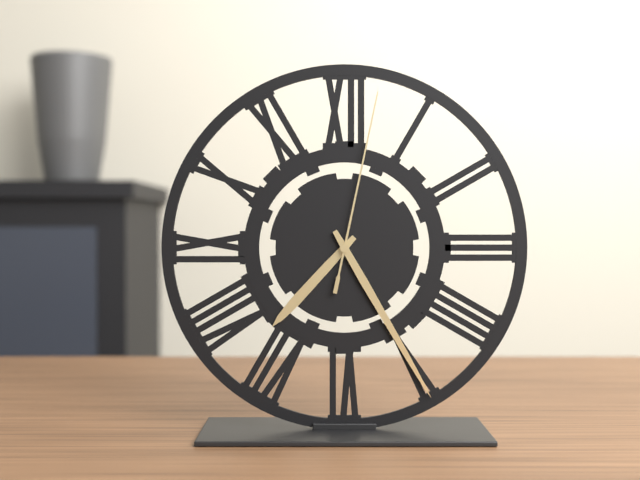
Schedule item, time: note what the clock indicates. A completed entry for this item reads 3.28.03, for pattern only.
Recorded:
7.25.02
